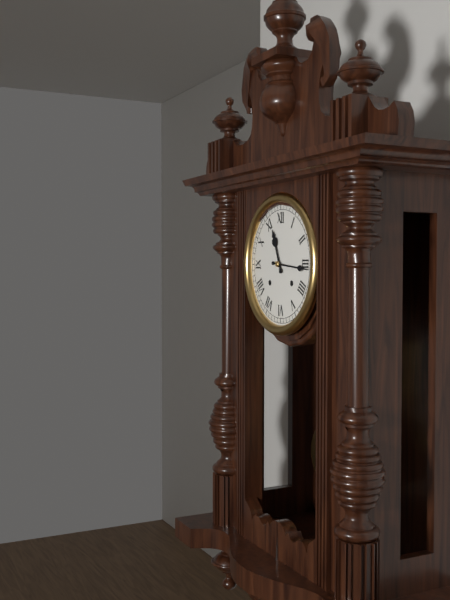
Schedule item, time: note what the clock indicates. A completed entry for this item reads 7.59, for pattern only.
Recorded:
11.16
